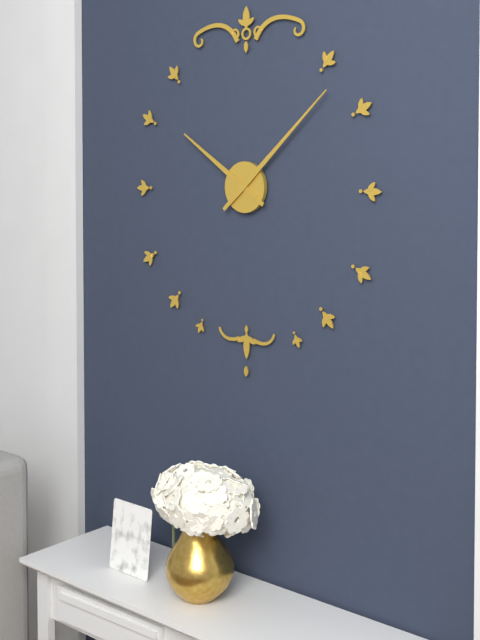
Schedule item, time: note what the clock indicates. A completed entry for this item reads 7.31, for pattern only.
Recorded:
10.08
